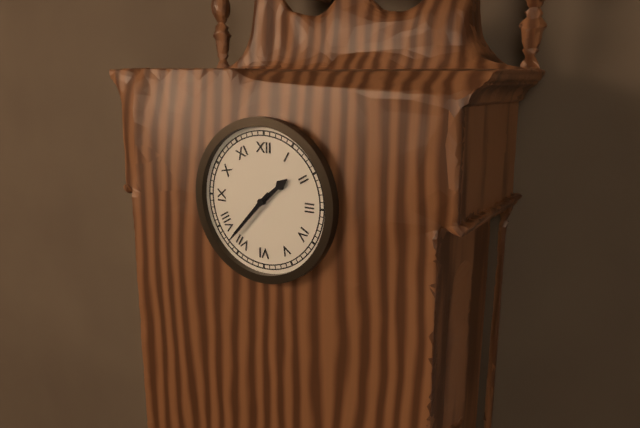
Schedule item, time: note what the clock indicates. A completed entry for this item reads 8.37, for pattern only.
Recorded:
1.37
